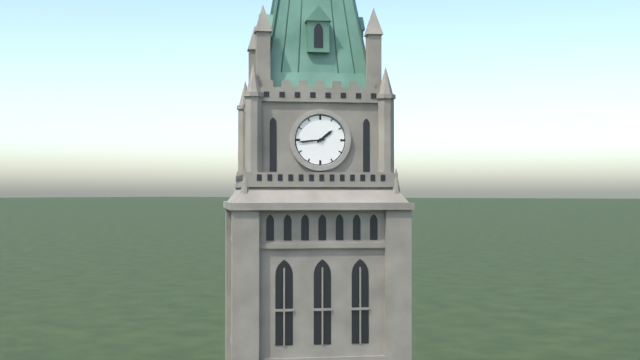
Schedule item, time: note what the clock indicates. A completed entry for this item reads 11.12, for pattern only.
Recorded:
1.44
